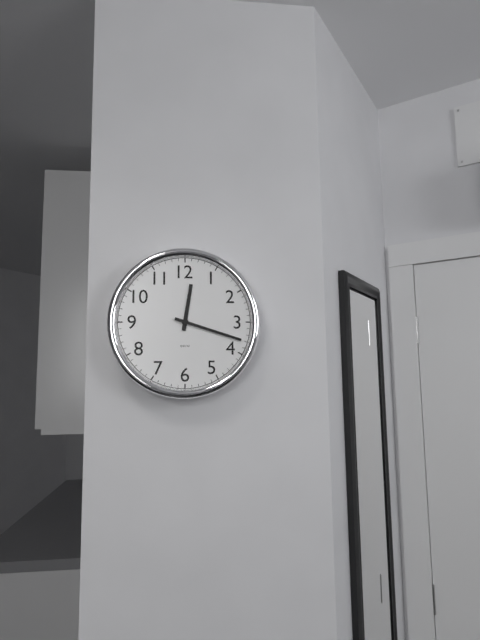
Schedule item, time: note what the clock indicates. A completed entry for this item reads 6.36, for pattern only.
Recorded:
12.18
